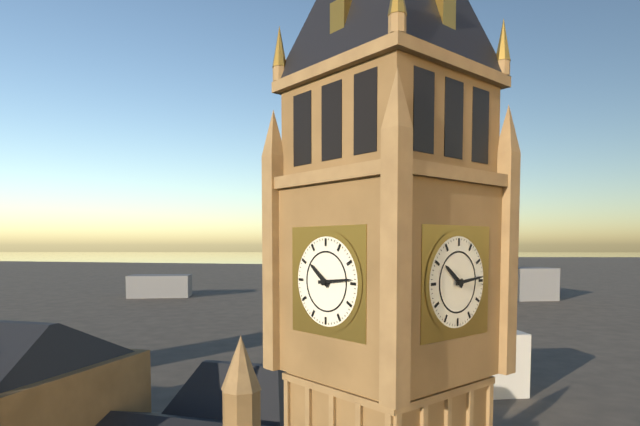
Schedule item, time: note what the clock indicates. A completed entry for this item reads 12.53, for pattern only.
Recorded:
10.14
